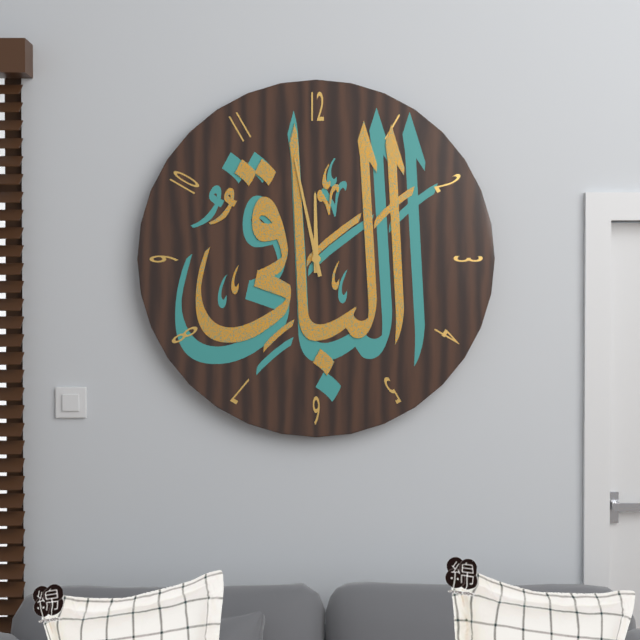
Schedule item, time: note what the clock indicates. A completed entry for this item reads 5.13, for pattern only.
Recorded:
11.58
